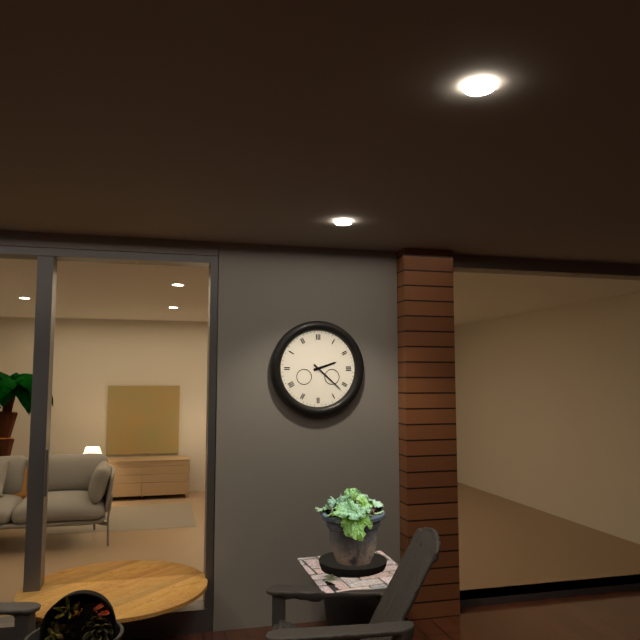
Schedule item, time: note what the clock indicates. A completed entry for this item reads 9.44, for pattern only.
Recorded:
2.22
